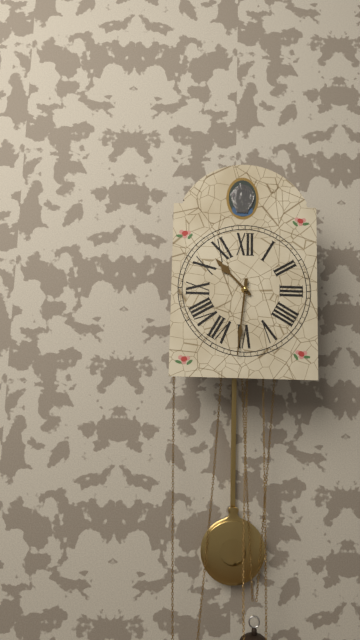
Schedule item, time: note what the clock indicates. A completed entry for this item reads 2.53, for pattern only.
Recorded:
10.31
